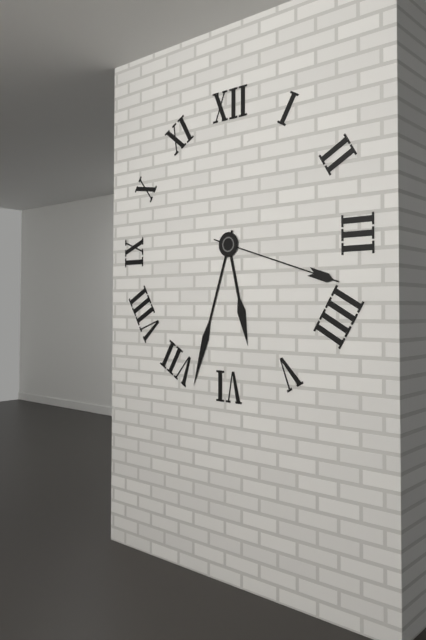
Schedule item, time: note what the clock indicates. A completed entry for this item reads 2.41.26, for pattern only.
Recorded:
5.33.18
